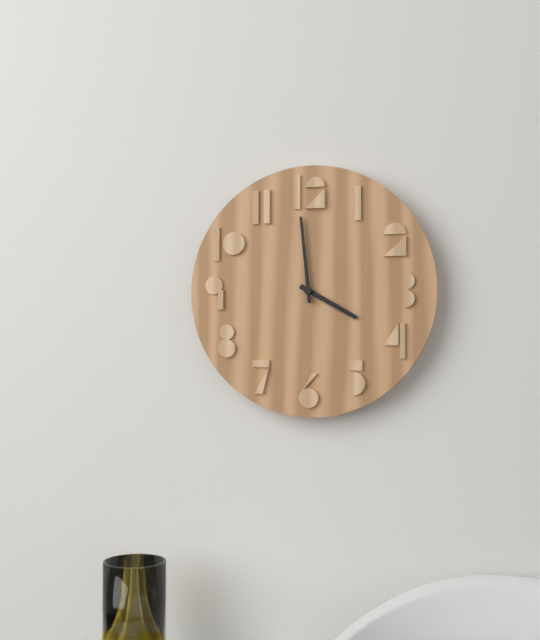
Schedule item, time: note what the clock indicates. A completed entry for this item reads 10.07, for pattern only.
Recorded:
3.59
